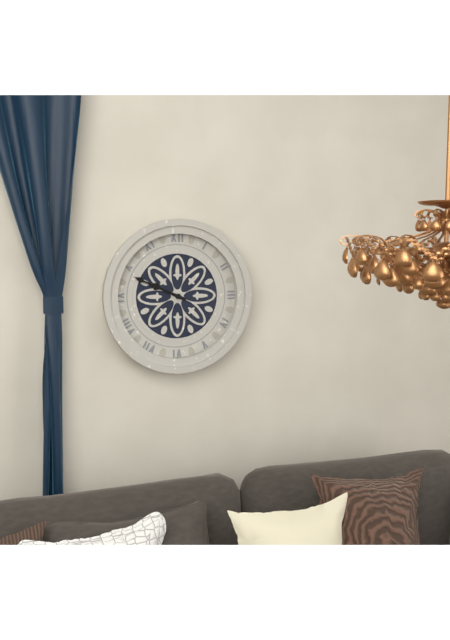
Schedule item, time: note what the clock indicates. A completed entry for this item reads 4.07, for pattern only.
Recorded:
9.49
